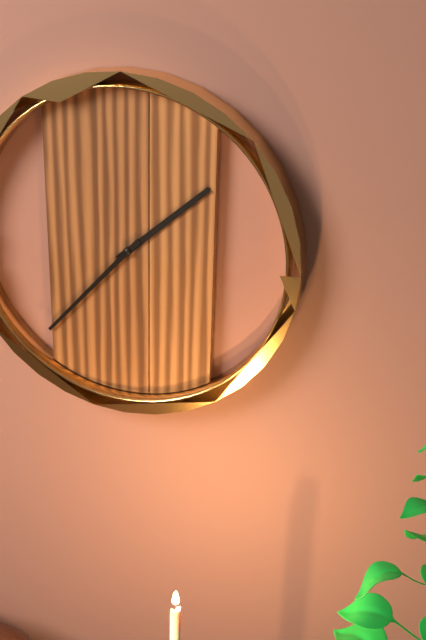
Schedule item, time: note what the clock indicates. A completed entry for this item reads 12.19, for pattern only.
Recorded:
1.37
